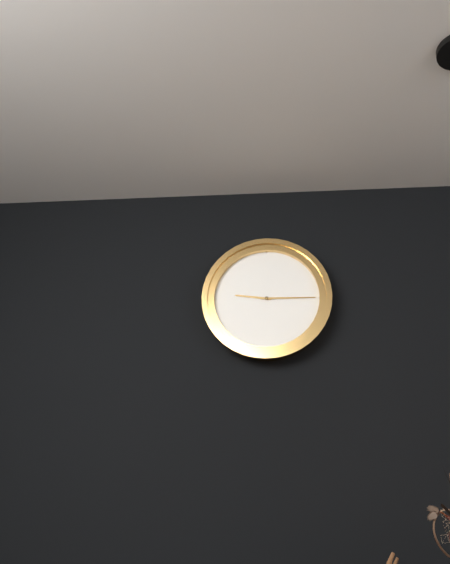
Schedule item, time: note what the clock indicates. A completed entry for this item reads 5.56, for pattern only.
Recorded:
9.15
